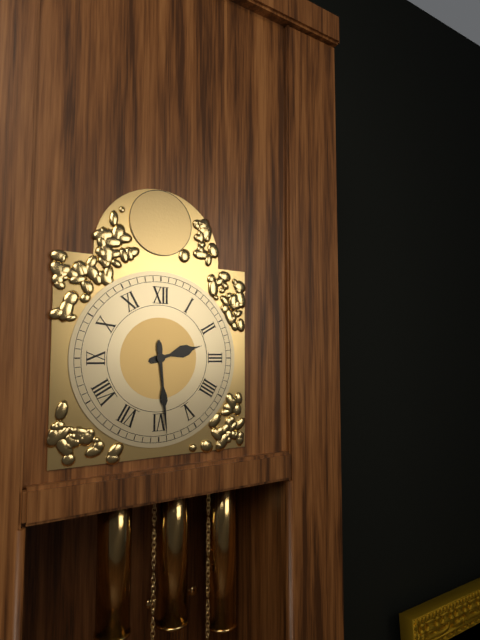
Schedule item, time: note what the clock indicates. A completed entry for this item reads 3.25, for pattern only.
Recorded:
2.29
